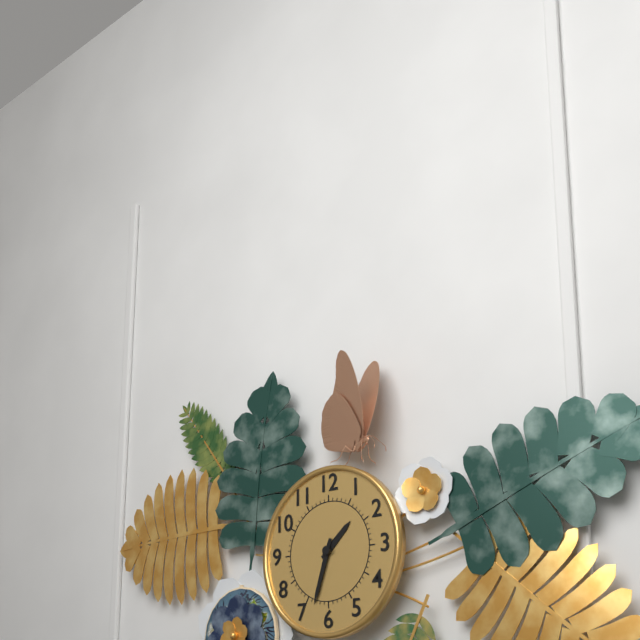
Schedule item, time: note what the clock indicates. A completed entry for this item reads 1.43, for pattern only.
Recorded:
1.33
